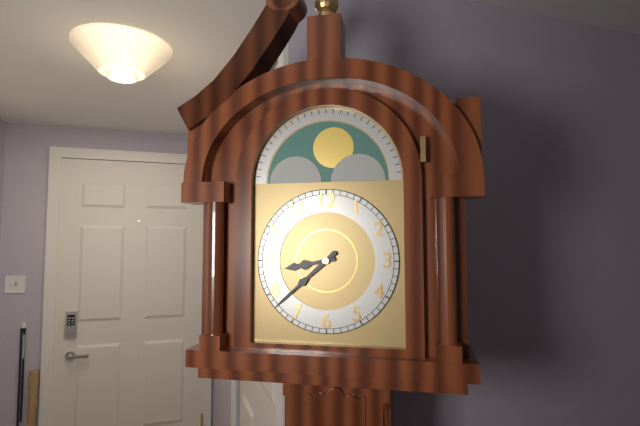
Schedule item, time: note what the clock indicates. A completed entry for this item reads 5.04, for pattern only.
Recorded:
8.38
